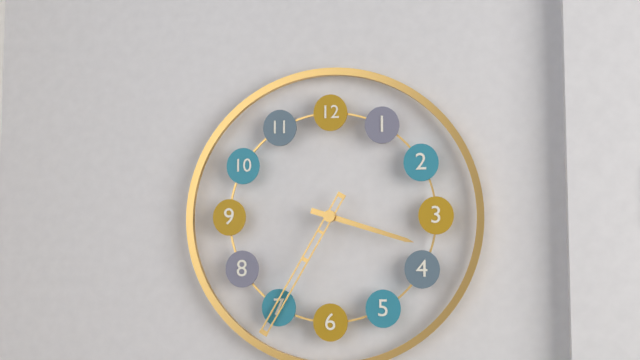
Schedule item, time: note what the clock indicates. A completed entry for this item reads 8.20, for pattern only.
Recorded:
3.35
